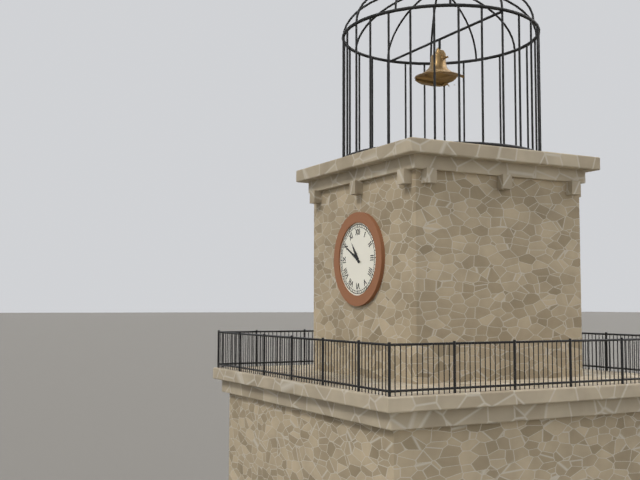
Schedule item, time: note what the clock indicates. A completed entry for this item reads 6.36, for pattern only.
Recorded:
10.50
